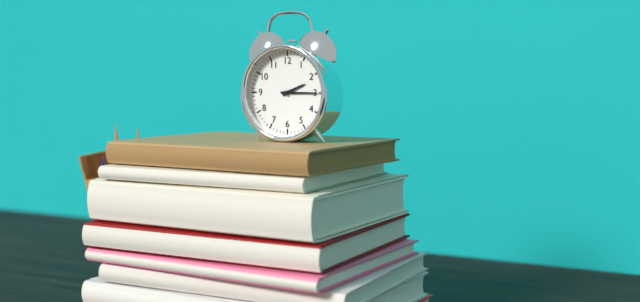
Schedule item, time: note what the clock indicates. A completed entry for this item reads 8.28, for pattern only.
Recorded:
2.15
